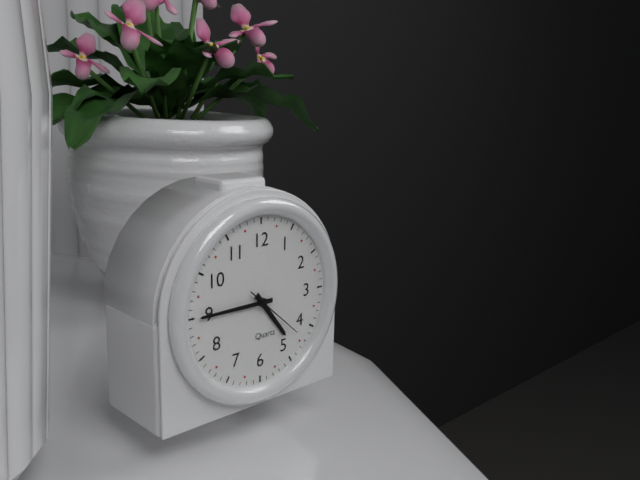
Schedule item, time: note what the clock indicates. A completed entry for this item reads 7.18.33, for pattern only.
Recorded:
4.45.22
